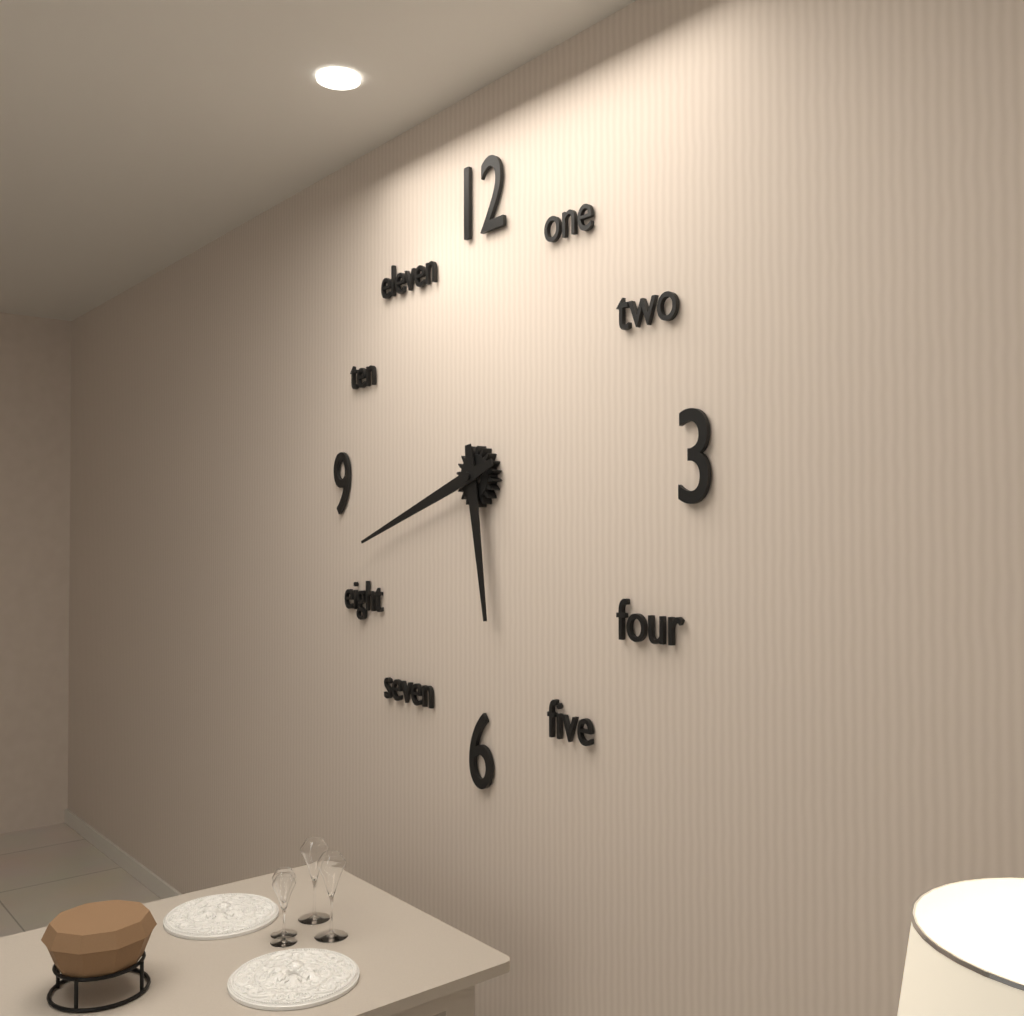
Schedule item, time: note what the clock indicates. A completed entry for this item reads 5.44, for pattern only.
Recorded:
5.42
